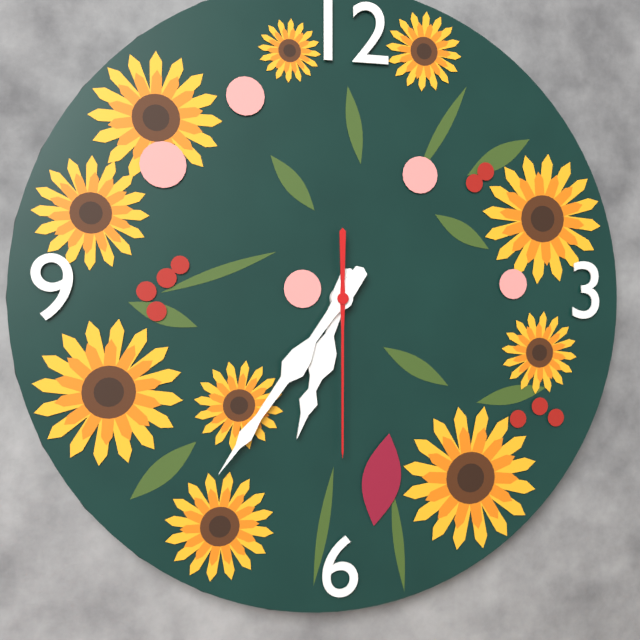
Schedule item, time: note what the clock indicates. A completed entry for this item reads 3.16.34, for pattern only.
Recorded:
6.36.30
